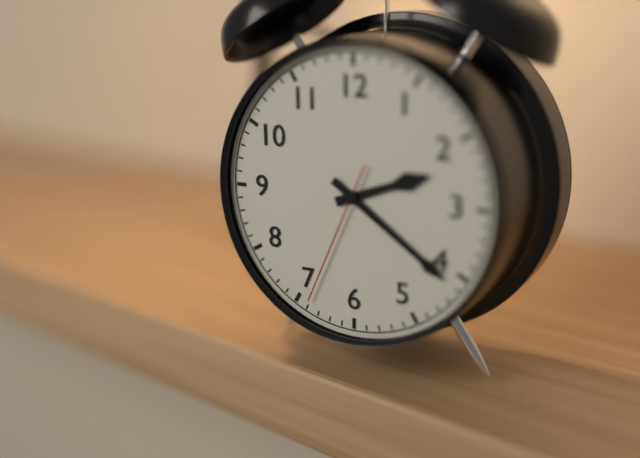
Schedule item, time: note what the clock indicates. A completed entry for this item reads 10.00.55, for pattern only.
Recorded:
2.21.34
